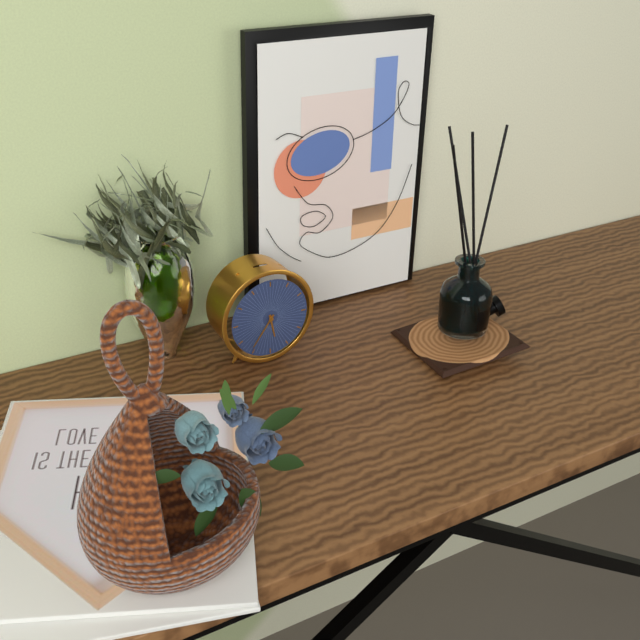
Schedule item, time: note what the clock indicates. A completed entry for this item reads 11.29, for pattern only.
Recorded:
5.36
